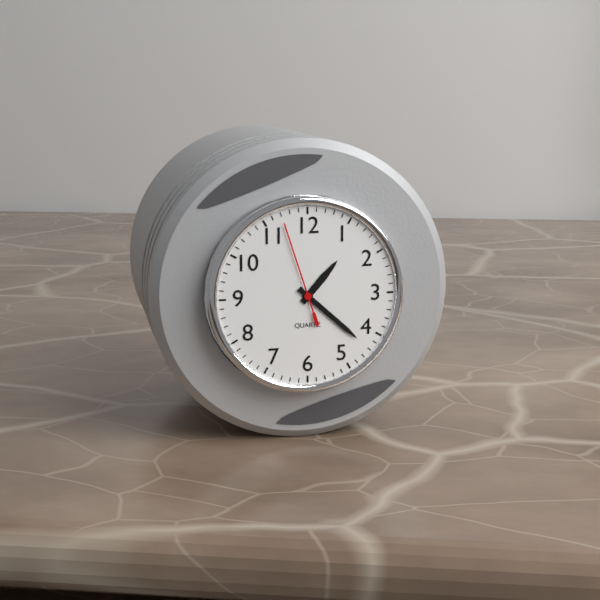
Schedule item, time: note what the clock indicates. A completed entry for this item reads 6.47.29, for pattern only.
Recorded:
1.22.57
